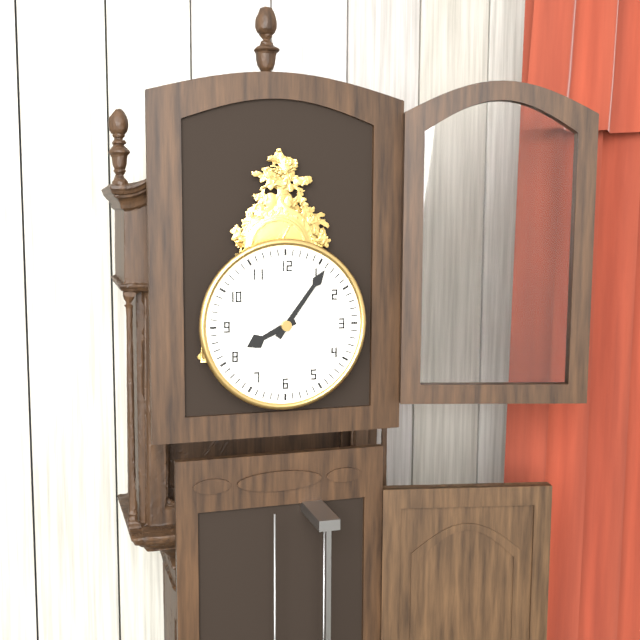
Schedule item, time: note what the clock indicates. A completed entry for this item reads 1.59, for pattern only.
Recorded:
8.06
